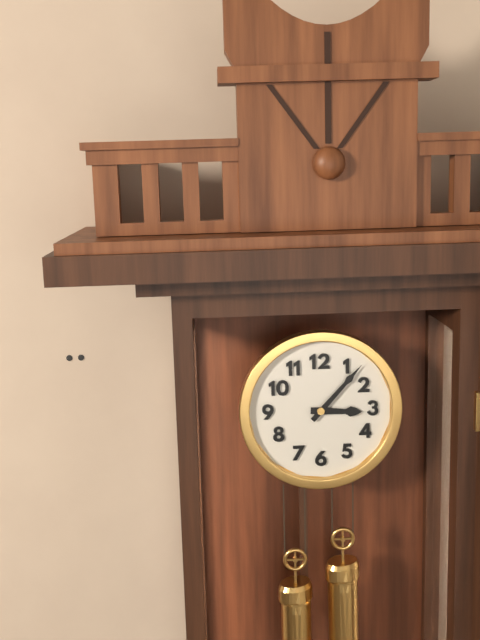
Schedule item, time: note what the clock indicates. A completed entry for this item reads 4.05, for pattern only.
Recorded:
3.07
